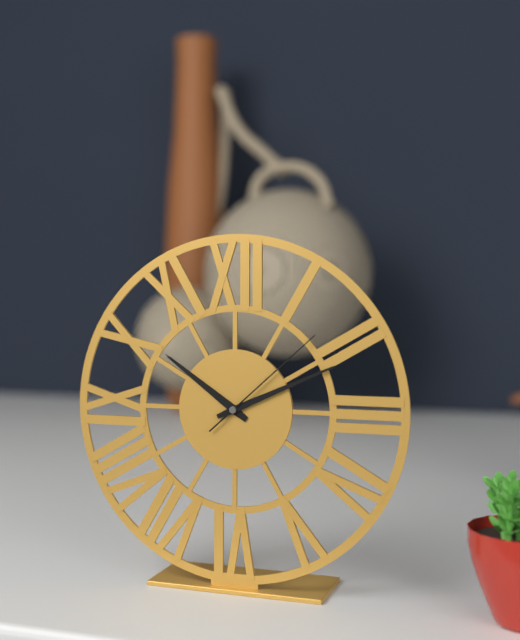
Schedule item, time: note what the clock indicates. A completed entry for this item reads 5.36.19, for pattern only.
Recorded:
10.11.08
